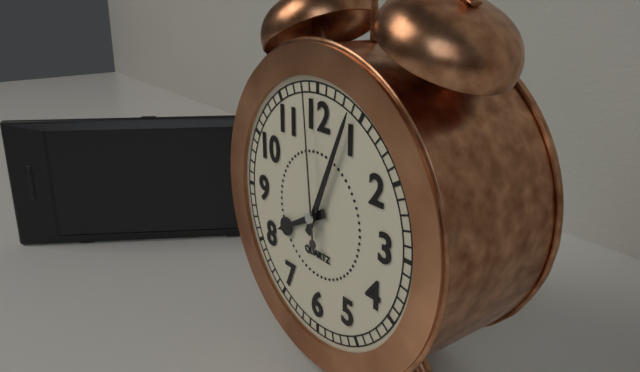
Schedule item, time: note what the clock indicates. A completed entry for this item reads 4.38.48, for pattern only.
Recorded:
8.04.59
